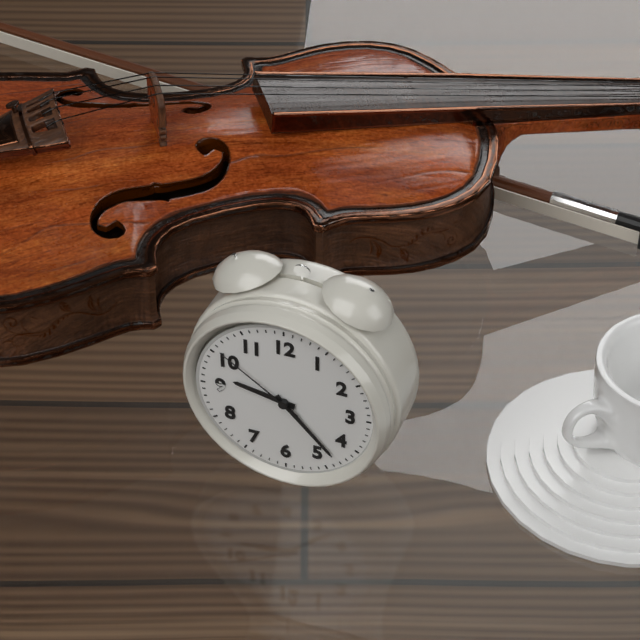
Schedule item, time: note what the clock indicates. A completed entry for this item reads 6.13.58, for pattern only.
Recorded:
9.23.51
